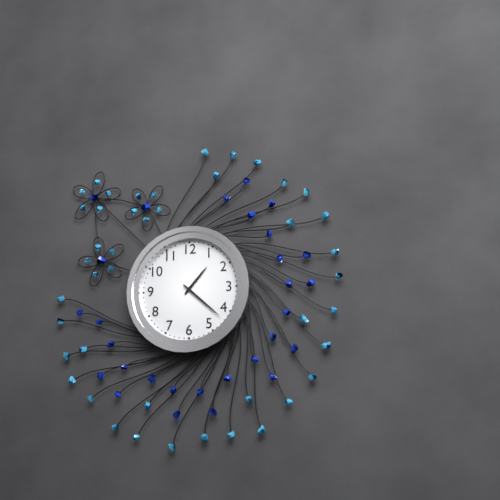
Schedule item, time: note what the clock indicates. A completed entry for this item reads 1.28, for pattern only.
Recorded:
1.22
